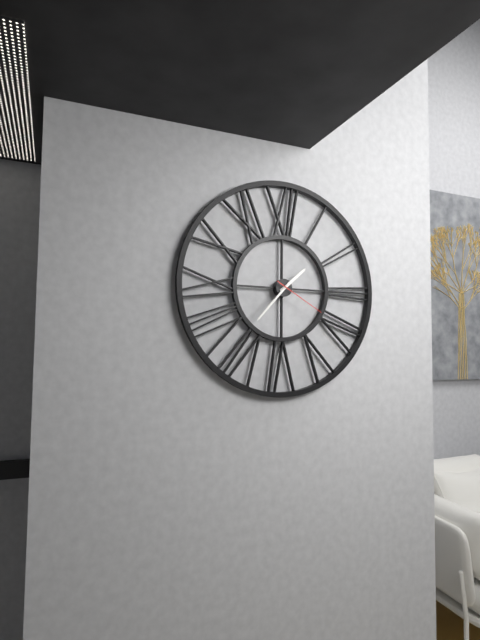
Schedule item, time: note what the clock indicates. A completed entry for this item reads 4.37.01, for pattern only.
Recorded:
1.37.20
